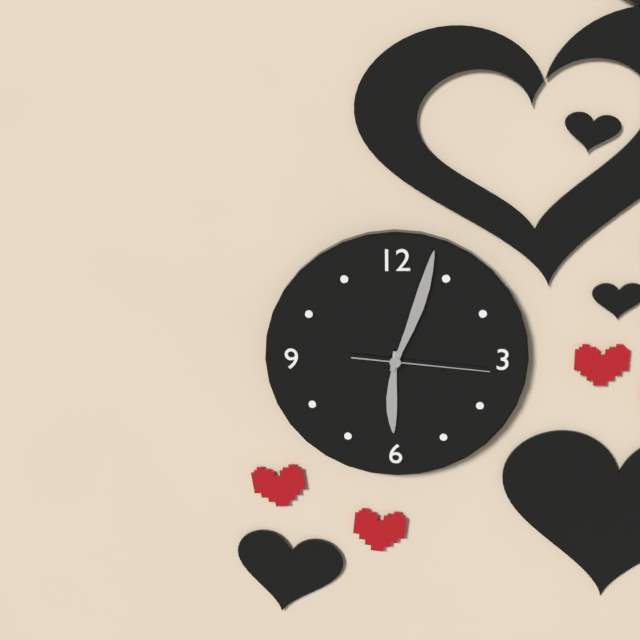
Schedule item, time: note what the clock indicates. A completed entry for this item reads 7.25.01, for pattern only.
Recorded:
6.03.16
